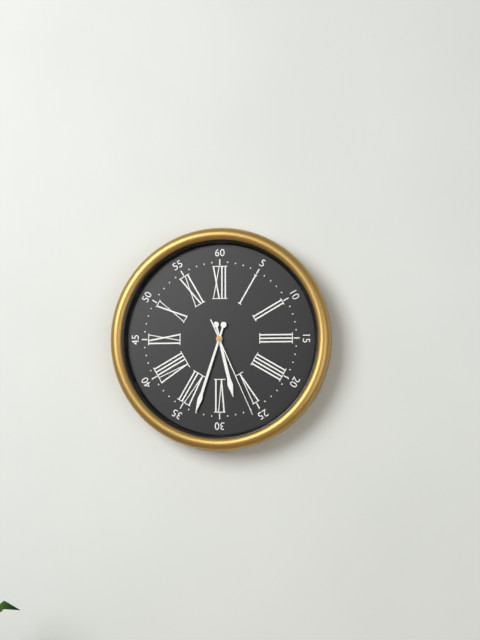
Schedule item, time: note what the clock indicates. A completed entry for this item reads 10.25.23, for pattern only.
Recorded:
5.33.26
